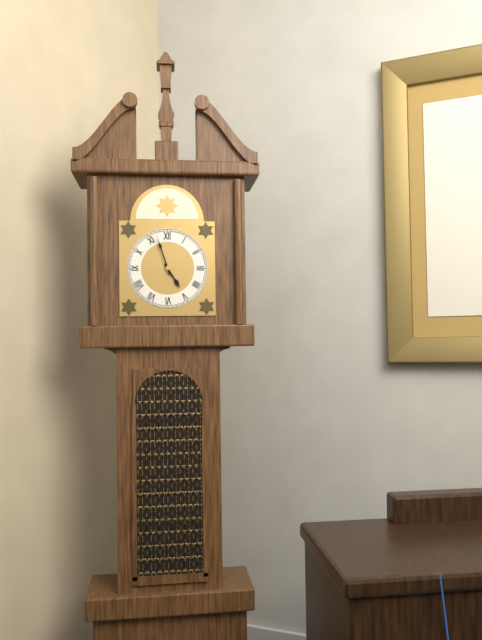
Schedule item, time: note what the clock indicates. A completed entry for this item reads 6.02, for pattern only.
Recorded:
4.57
